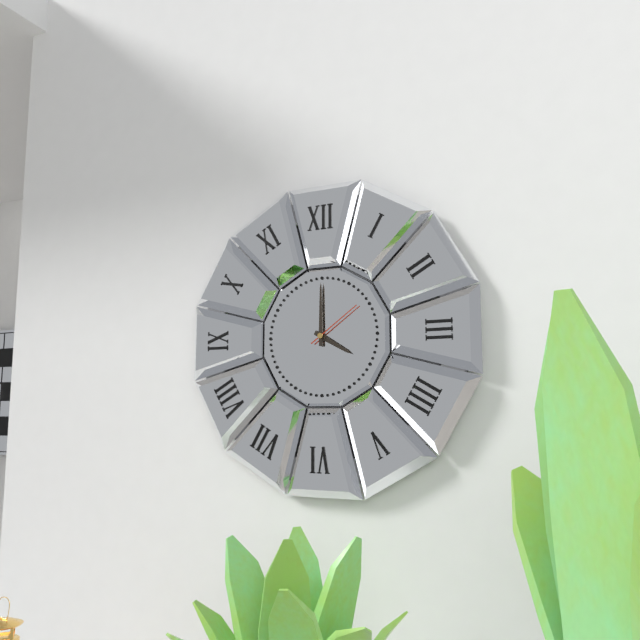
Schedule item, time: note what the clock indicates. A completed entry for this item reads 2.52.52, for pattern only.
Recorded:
4.00.09
